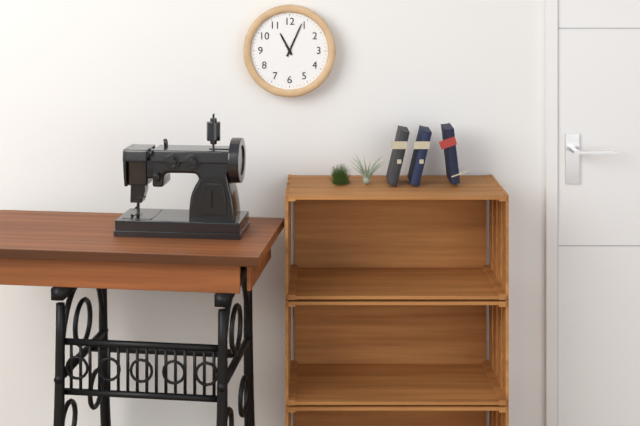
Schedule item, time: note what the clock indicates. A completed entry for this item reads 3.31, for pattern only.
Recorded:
11.04
